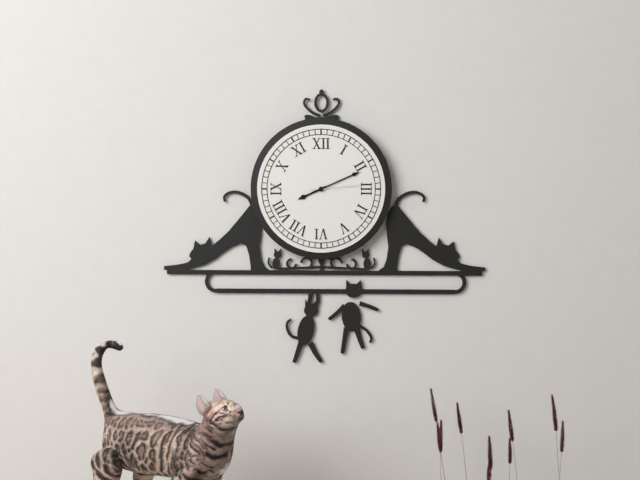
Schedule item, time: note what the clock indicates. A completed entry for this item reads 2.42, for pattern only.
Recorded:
8.11
